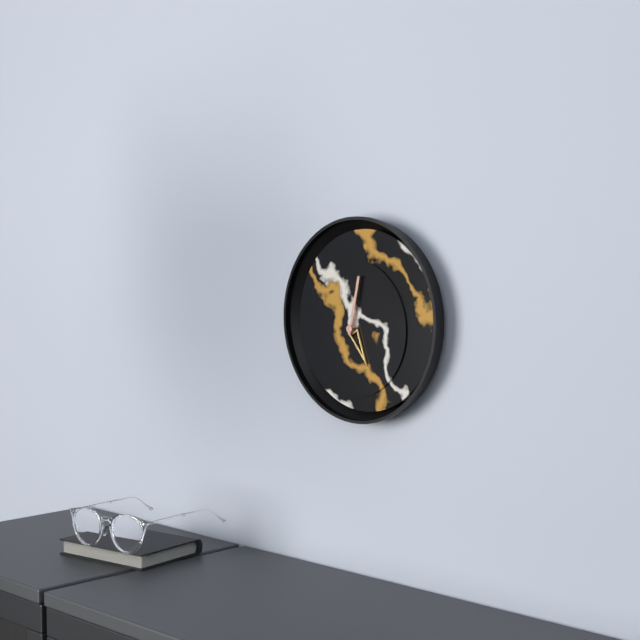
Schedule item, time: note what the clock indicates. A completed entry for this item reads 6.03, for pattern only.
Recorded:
5.02
